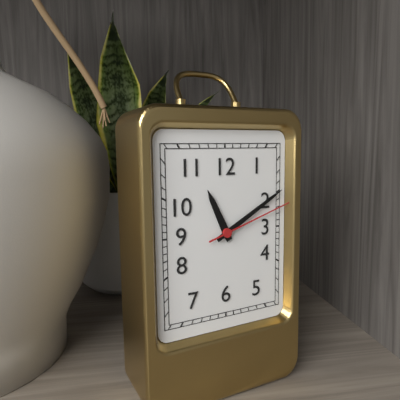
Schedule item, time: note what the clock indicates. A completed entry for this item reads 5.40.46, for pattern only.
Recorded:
11.10.12
